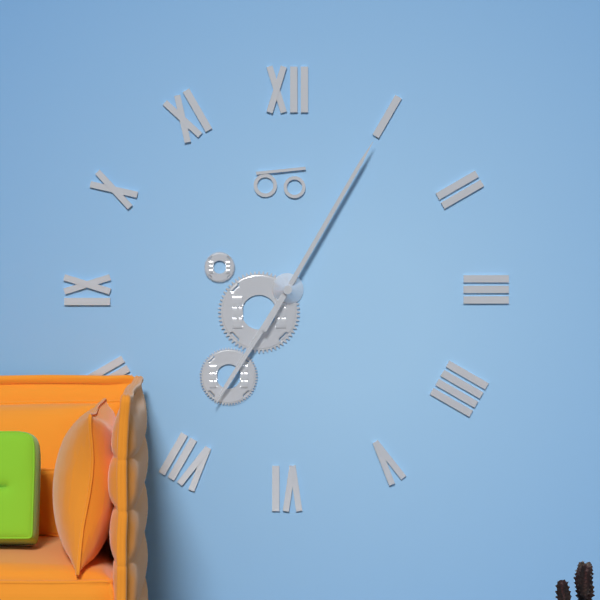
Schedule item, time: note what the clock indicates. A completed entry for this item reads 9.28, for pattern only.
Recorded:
7.05
